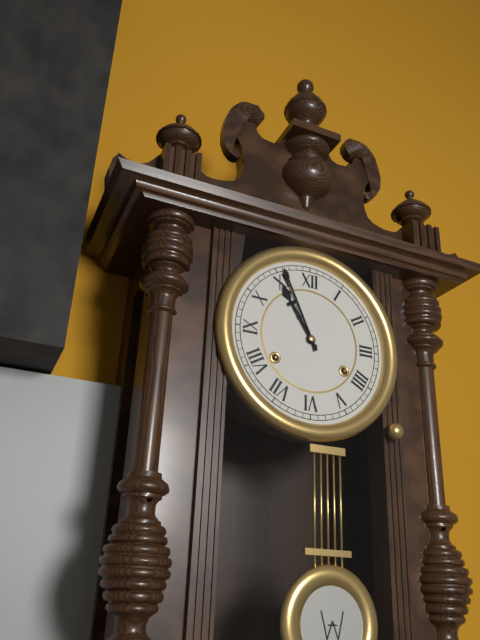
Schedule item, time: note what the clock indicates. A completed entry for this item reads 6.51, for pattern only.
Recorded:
10.56
